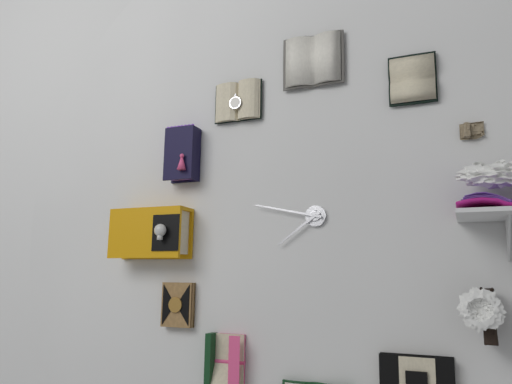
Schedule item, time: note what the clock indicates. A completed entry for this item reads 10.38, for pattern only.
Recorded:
7.47
